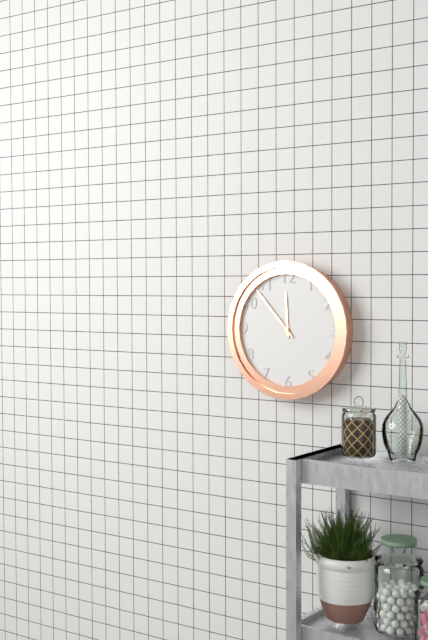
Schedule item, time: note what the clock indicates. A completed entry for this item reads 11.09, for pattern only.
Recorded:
11.53
